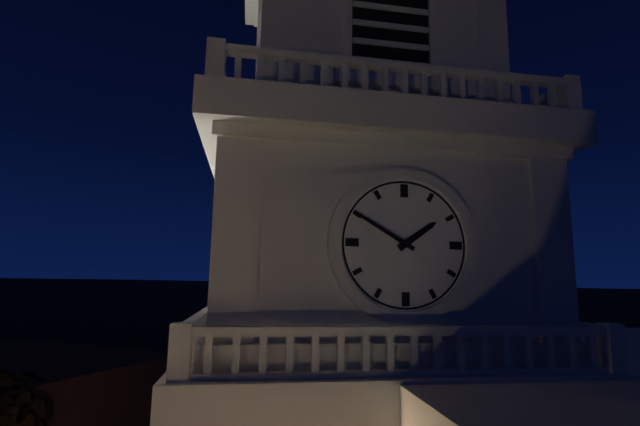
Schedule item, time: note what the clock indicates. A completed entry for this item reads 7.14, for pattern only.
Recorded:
1.50
